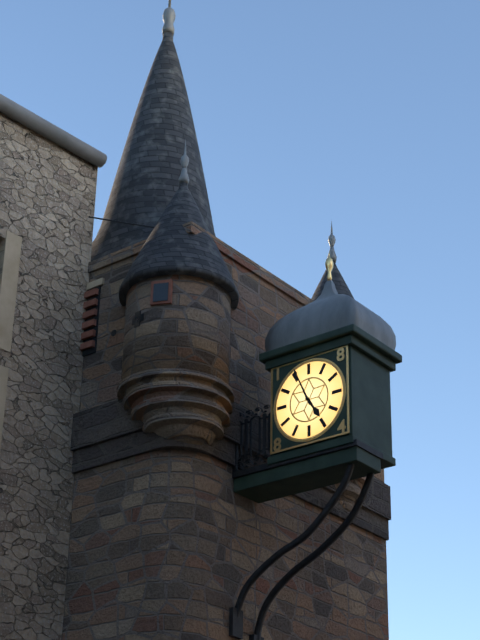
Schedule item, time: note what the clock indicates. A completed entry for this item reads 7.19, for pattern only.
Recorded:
4.56
